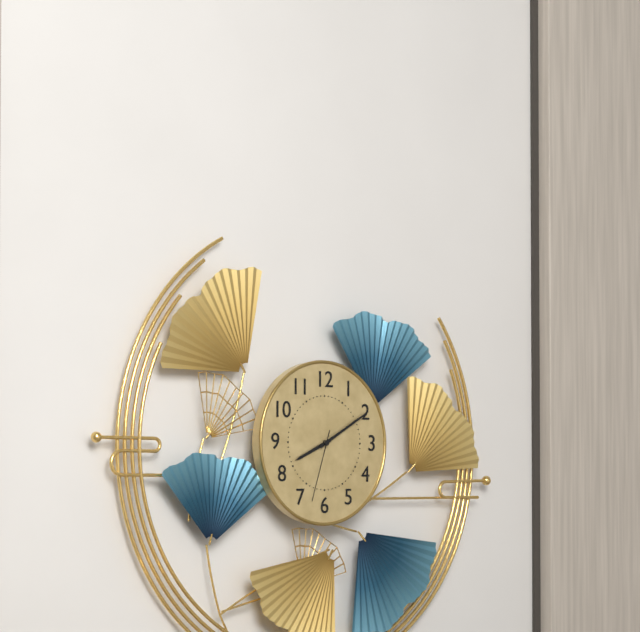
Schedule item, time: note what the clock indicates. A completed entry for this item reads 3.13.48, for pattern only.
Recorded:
8.10.33
